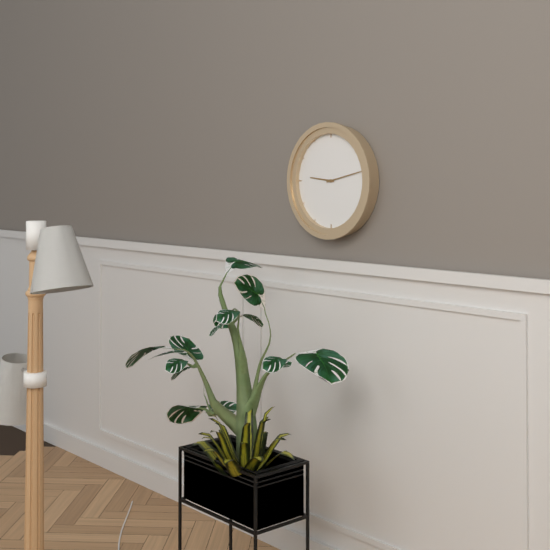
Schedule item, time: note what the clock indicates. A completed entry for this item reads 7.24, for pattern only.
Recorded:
9.13
